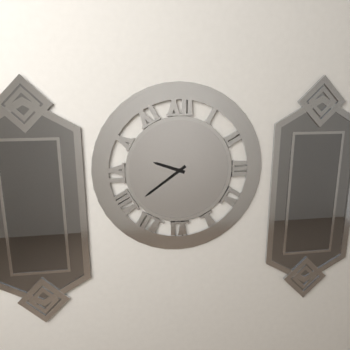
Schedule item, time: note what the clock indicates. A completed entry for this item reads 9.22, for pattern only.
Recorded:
9.39
